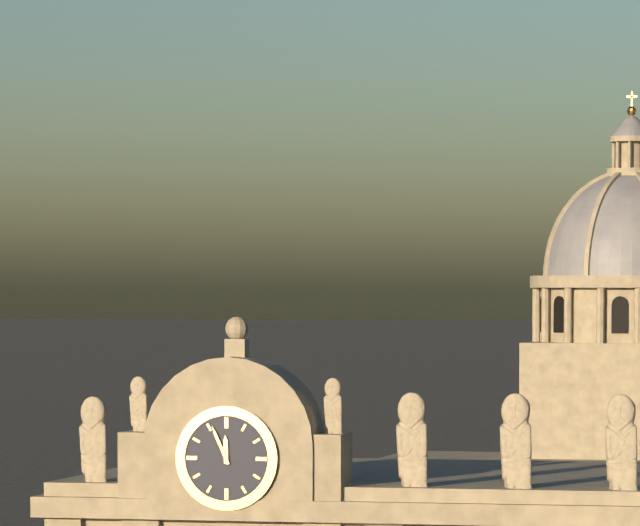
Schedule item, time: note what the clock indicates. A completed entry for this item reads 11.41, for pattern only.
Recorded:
11.56
